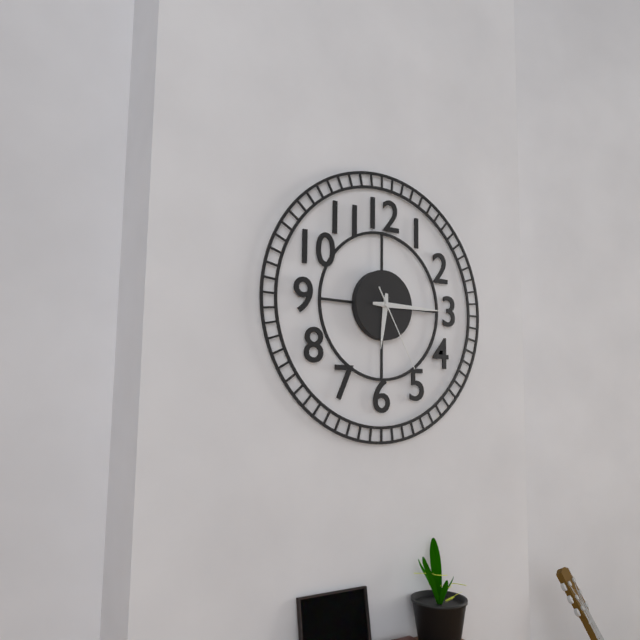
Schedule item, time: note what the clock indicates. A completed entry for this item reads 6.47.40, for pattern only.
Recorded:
6.15.25
